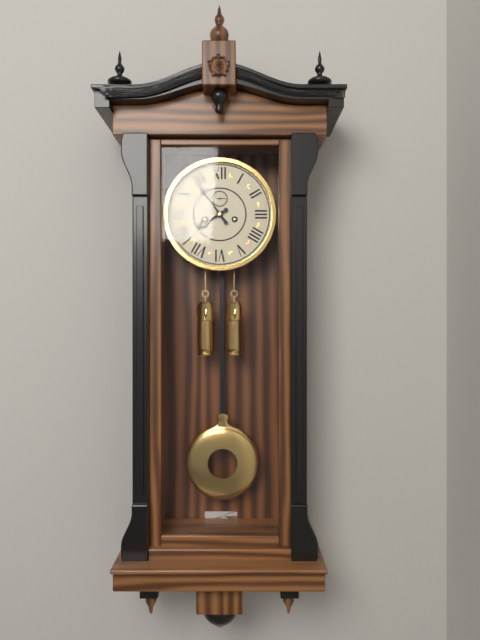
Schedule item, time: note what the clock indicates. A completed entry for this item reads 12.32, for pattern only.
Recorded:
7.54
